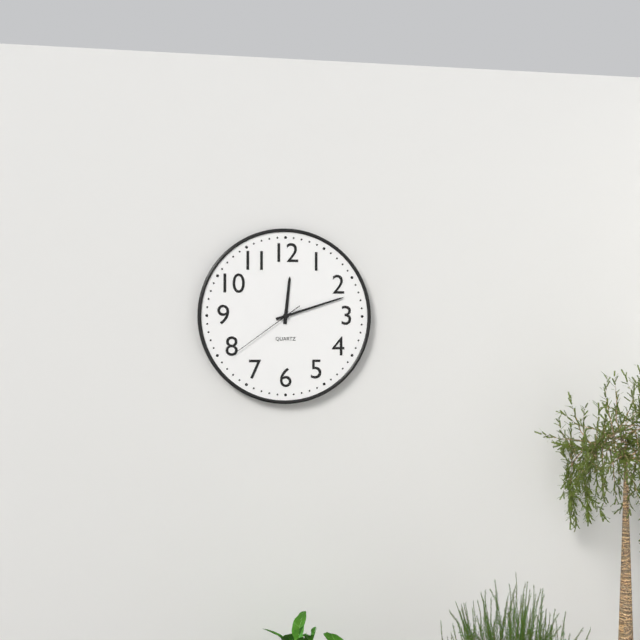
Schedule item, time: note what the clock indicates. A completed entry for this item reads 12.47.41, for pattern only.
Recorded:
12.12.39
